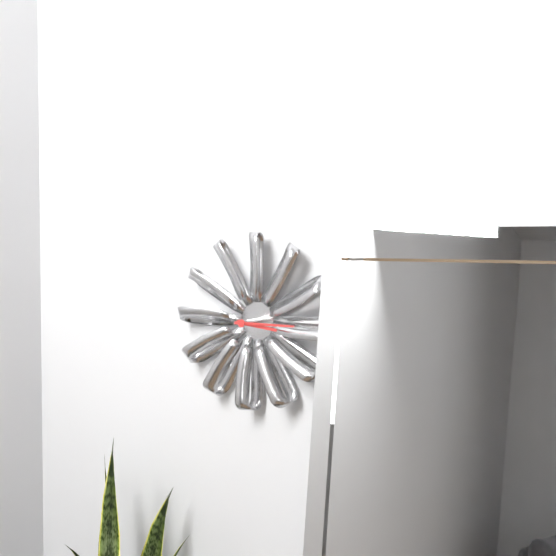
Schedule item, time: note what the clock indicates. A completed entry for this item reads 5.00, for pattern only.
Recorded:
3.15
